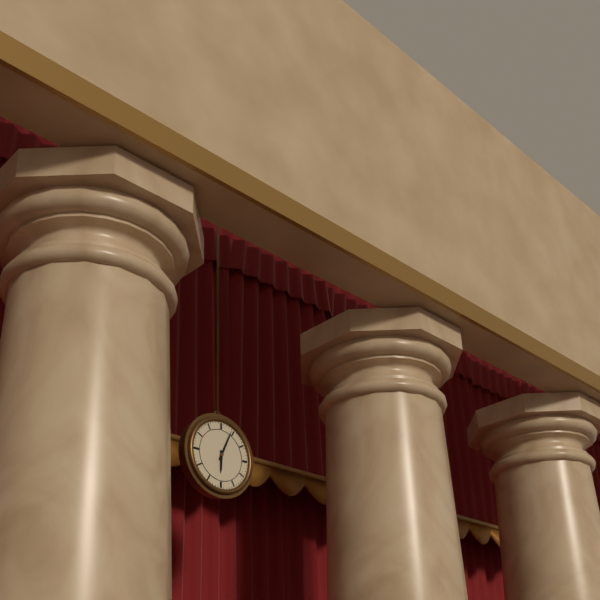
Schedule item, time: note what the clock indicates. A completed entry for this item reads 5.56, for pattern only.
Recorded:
6.04
